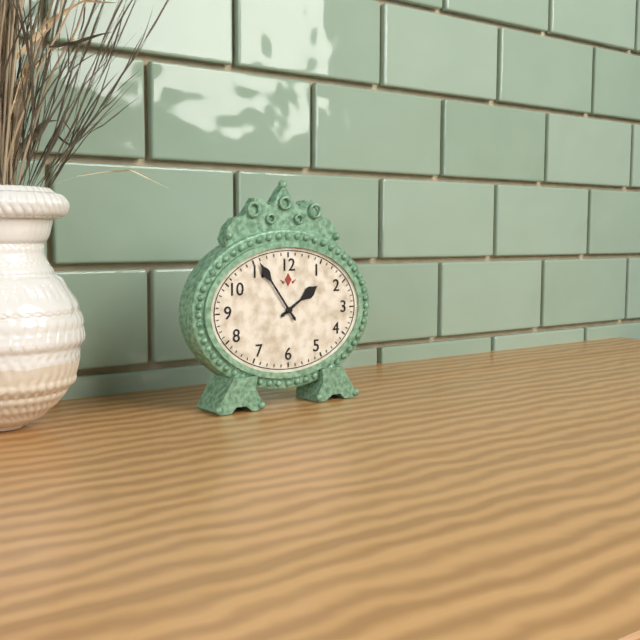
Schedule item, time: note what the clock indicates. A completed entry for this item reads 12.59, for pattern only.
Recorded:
1.54
